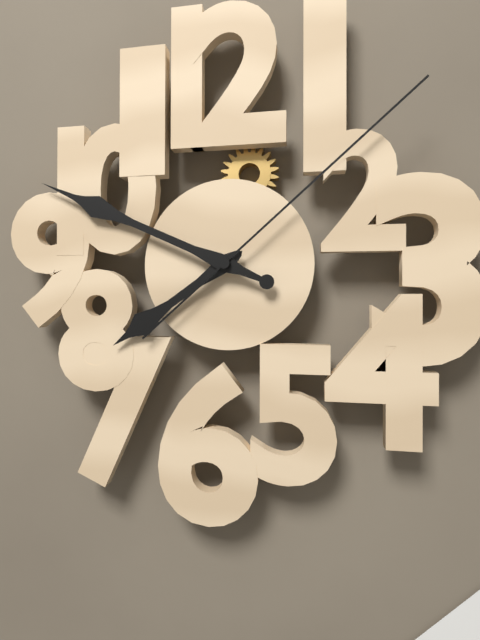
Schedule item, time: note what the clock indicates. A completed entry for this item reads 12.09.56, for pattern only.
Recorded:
7.49.08
